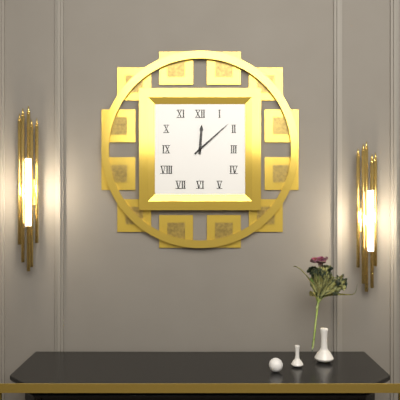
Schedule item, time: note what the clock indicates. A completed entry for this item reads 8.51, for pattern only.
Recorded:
12.08
